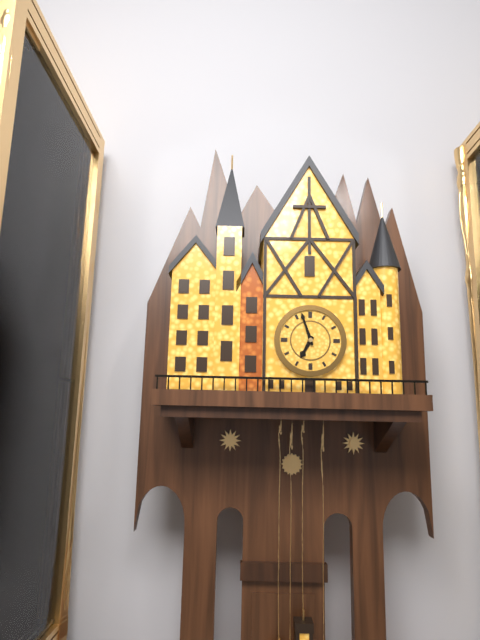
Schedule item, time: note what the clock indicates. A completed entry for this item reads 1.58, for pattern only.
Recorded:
6.57
